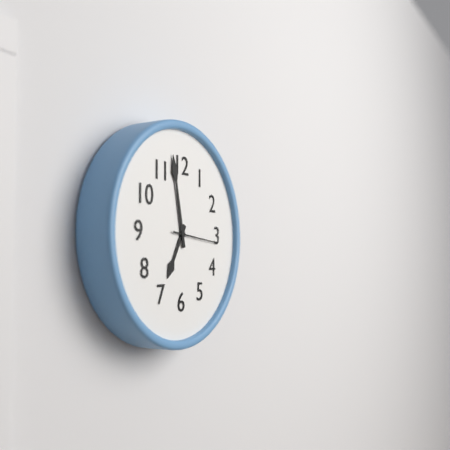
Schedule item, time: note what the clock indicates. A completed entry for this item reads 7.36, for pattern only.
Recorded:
6.58
